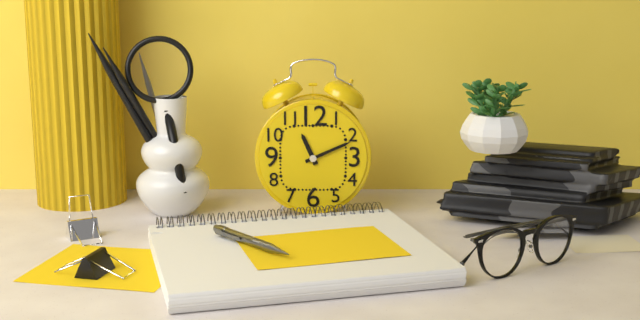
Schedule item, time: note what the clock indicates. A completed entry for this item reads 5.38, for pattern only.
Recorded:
11.11
